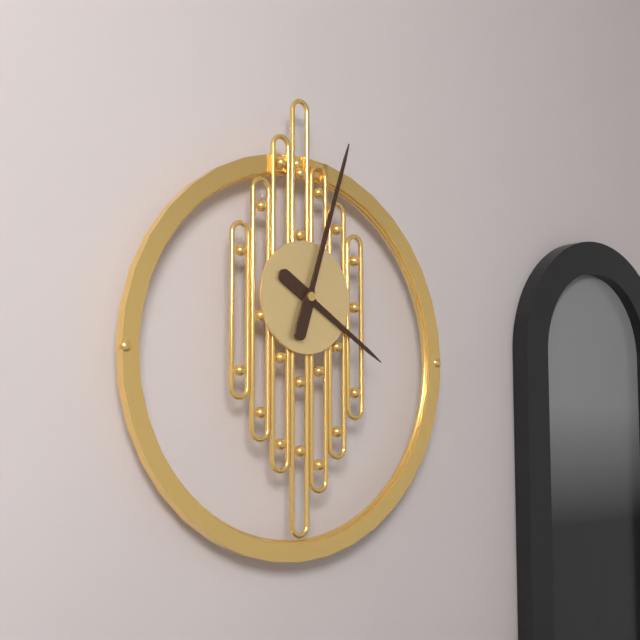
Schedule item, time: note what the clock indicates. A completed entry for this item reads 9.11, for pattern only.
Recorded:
4.03
